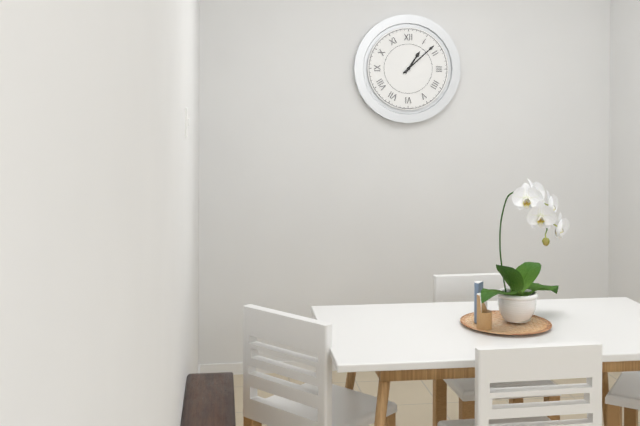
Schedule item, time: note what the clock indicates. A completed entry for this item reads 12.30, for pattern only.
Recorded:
1.08
